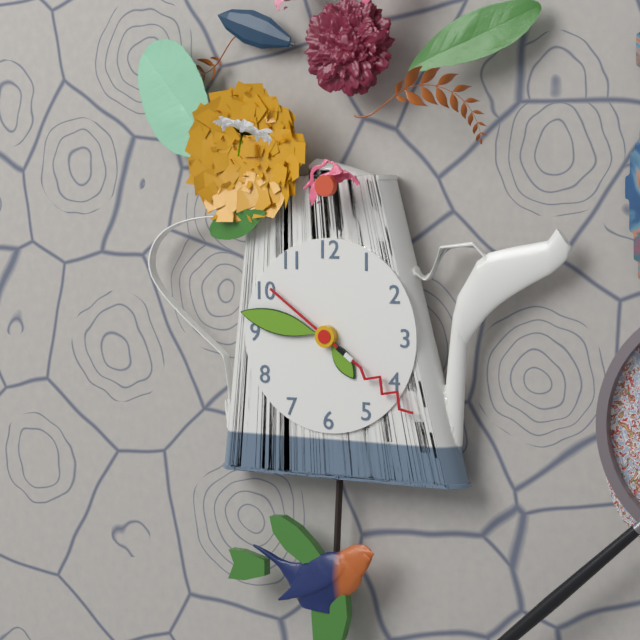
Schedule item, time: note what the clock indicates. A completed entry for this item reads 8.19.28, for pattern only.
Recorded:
4.47.21
